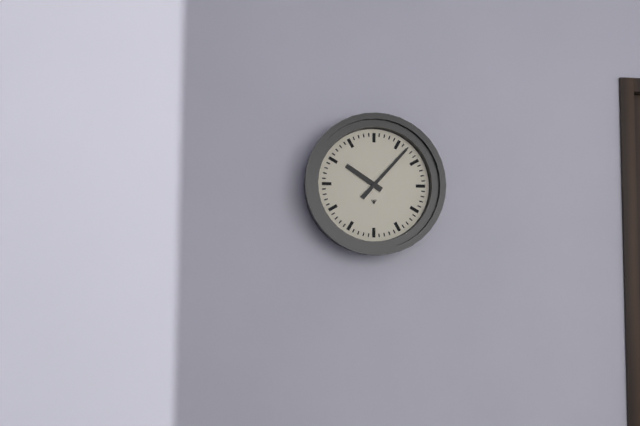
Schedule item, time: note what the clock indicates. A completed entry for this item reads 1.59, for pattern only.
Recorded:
10.07
